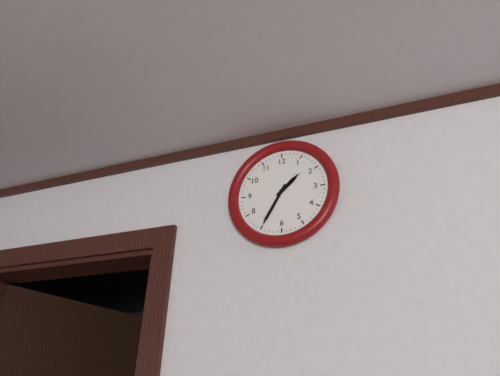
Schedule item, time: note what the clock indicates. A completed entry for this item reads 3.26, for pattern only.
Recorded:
1.35
